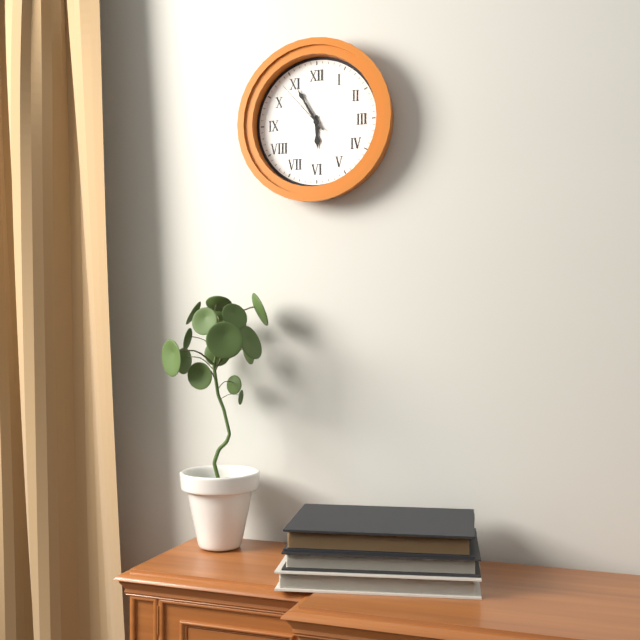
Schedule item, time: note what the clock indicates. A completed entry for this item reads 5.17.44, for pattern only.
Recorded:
5.55.53
